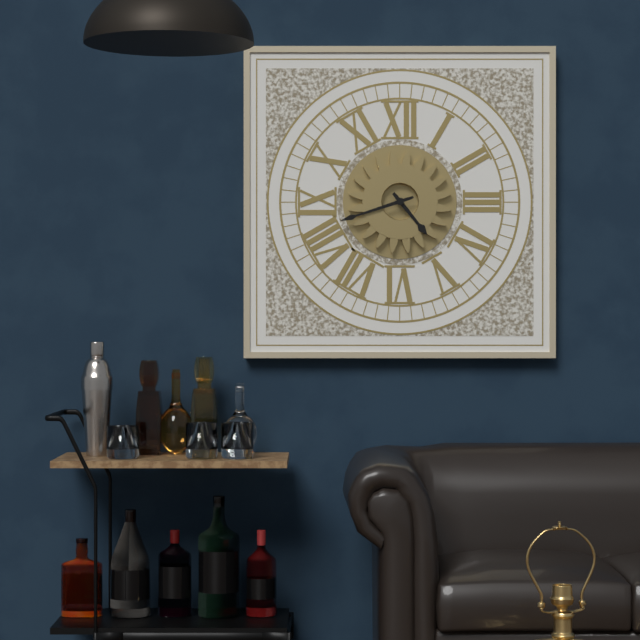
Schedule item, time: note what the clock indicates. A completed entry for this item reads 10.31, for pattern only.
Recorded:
4.42
